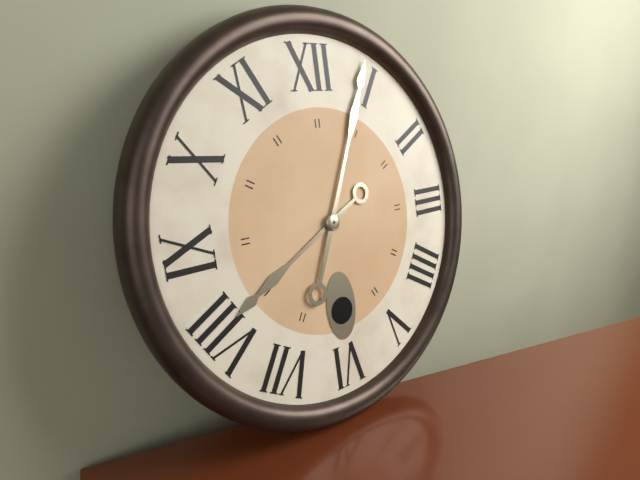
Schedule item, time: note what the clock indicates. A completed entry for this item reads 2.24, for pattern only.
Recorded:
8.04
